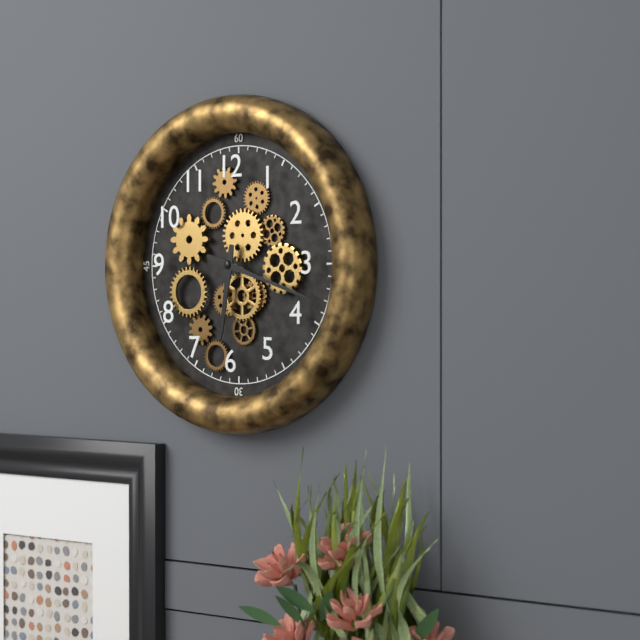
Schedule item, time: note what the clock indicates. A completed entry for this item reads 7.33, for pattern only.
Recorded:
6.18
